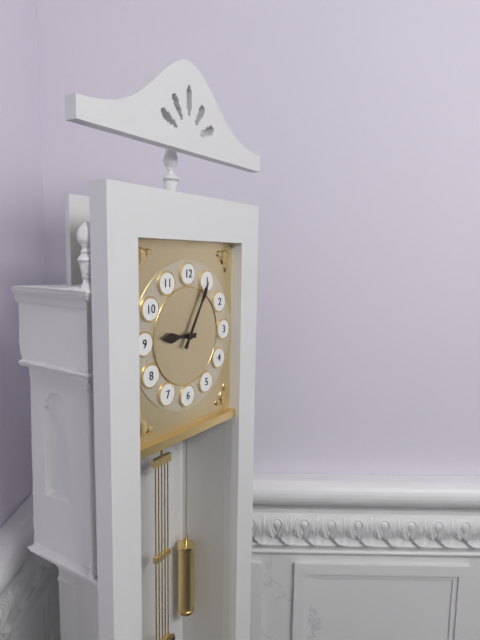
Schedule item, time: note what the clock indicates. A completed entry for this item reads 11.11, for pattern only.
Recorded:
9.05
